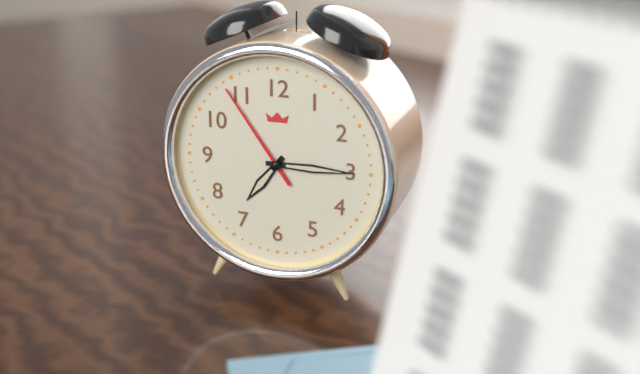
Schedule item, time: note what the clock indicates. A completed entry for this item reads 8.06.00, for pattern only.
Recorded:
7.15.54
